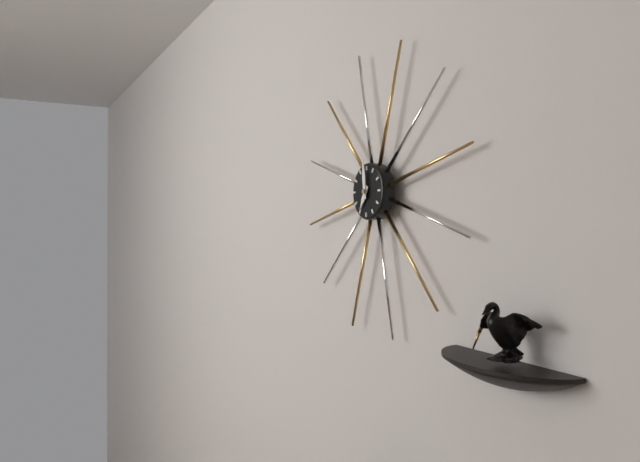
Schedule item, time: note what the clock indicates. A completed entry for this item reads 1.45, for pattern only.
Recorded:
6.59
